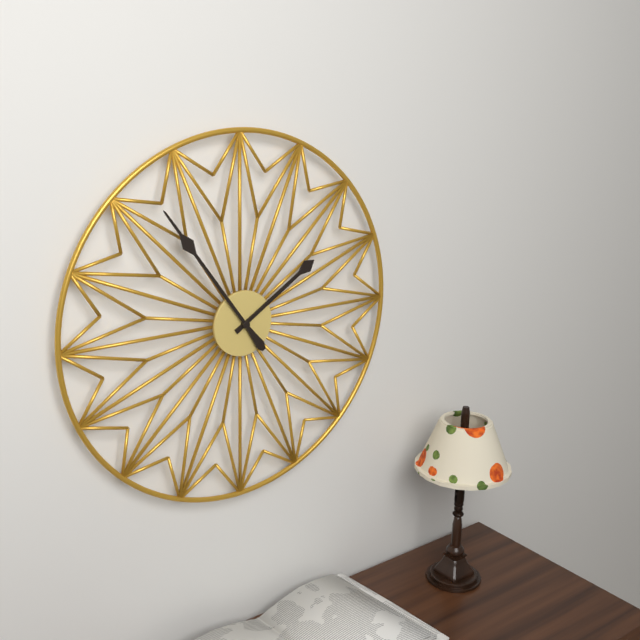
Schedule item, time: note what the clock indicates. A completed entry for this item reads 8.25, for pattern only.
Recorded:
1.54
